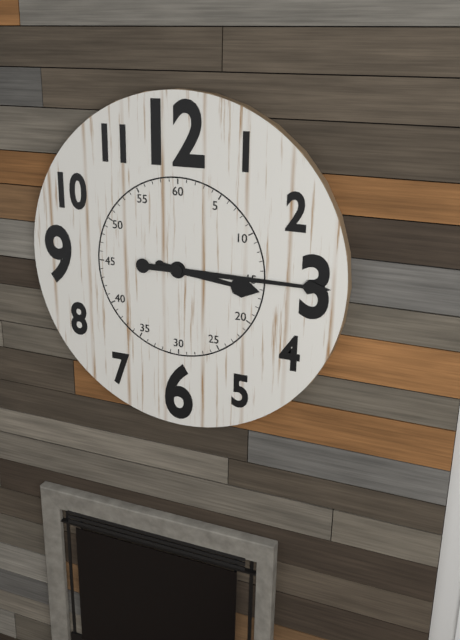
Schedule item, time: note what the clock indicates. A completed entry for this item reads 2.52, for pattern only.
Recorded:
3.15
